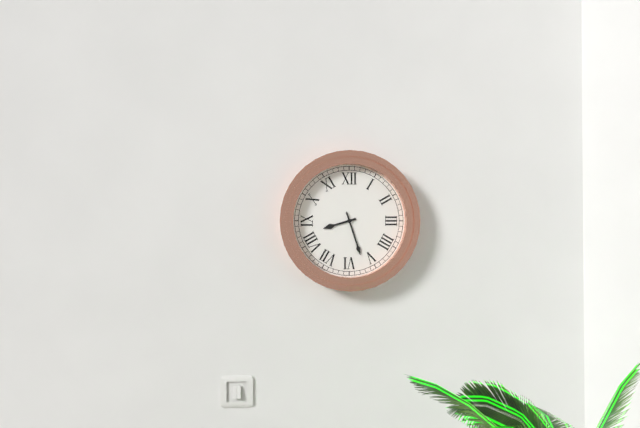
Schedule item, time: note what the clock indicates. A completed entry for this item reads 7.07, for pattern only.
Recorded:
8.27
